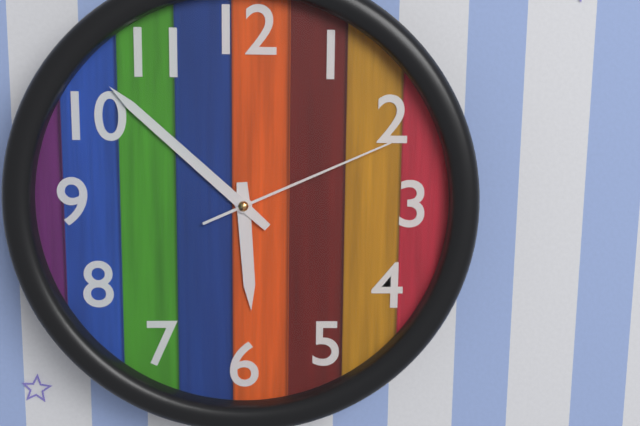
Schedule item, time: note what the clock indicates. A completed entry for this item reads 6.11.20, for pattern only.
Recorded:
5.52.11
